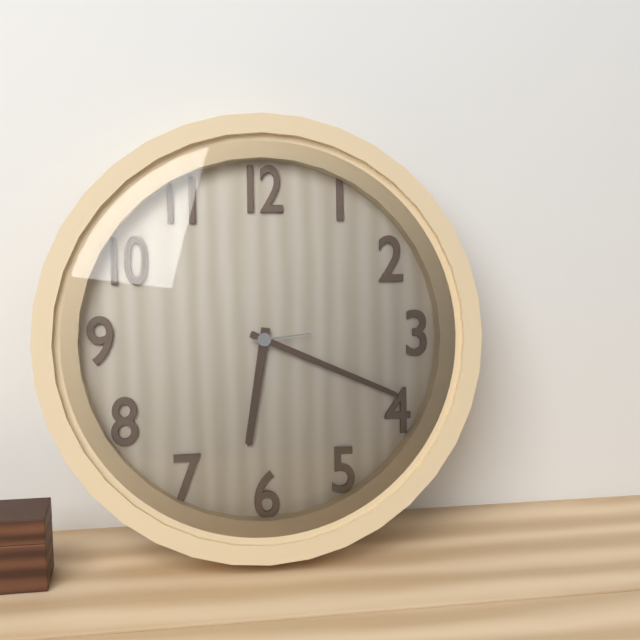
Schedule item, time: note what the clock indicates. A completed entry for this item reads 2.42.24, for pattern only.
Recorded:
6.19.14
